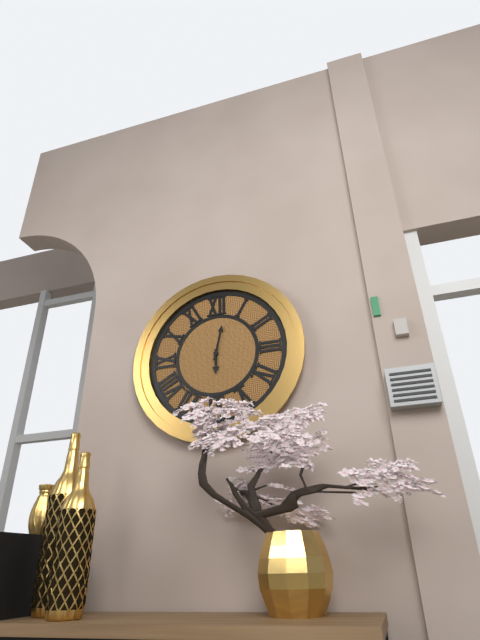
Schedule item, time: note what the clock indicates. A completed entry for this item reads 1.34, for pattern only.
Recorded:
6.02
